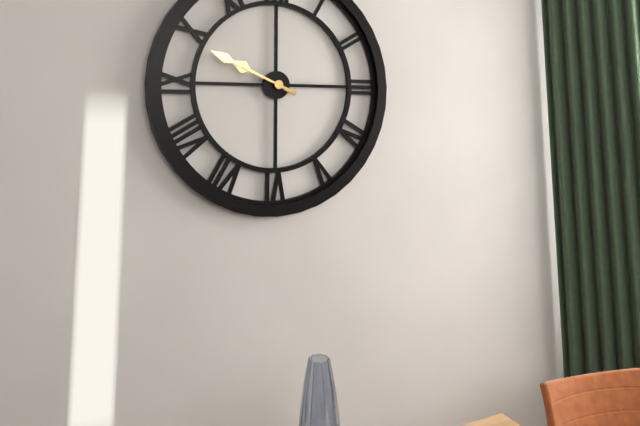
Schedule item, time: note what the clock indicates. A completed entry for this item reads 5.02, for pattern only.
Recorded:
9.49
